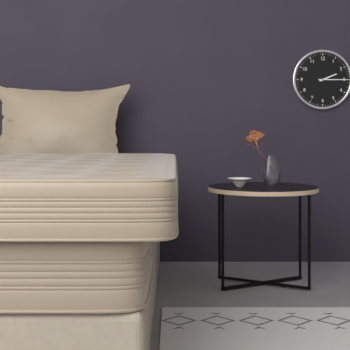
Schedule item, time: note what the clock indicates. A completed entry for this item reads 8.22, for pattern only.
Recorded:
2.15
